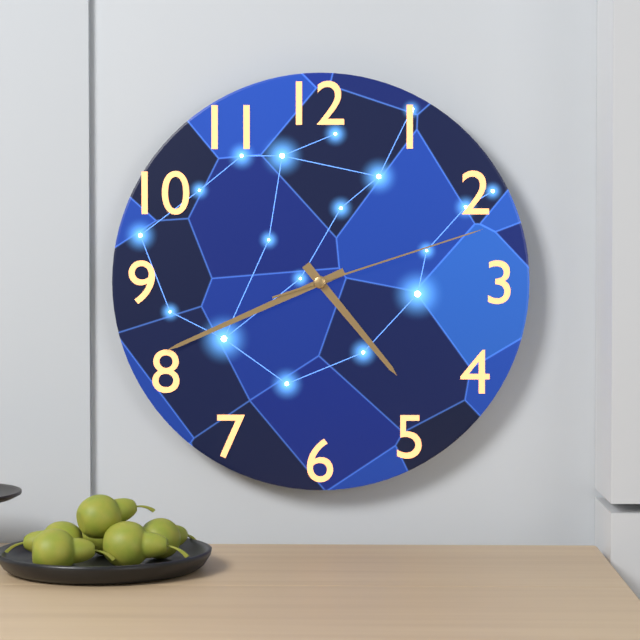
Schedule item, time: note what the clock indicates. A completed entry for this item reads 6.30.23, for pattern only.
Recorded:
4.41.12
